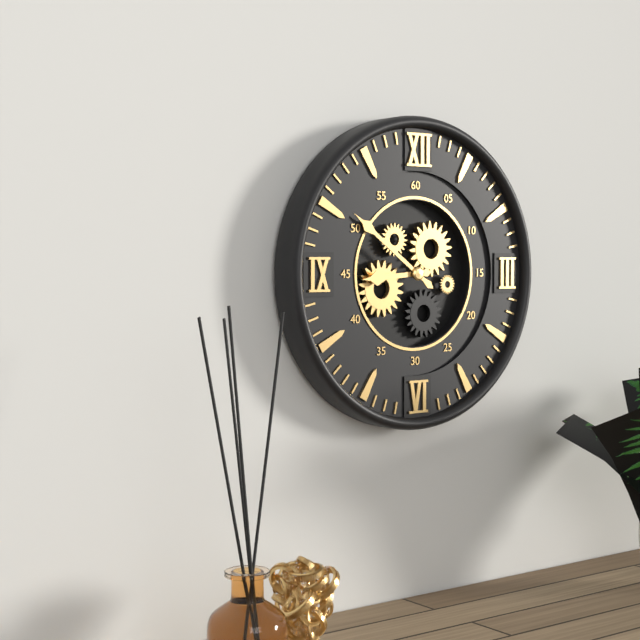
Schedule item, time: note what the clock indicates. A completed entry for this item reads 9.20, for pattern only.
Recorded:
8.51
